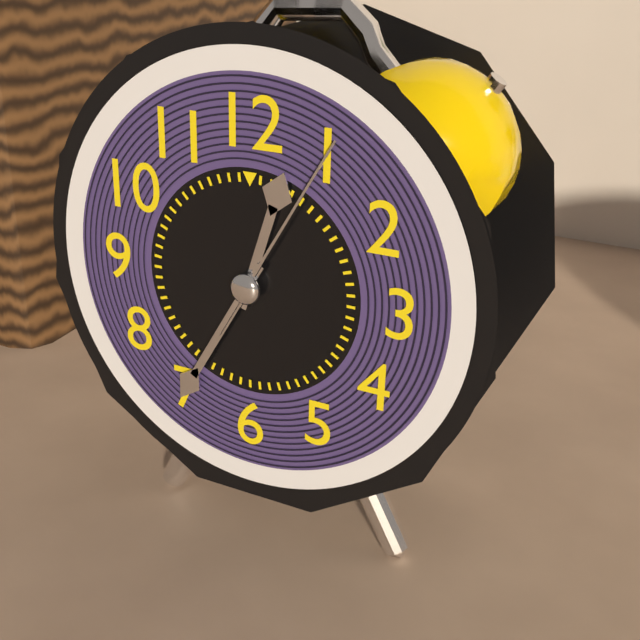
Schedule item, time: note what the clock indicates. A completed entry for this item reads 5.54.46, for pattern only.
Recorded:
12.35.05
